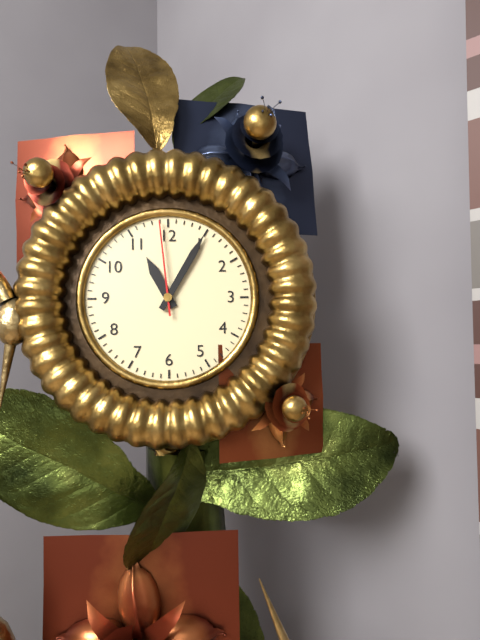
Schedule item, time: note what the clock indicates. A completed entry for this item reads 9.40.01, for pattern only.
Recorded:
11.05.59
